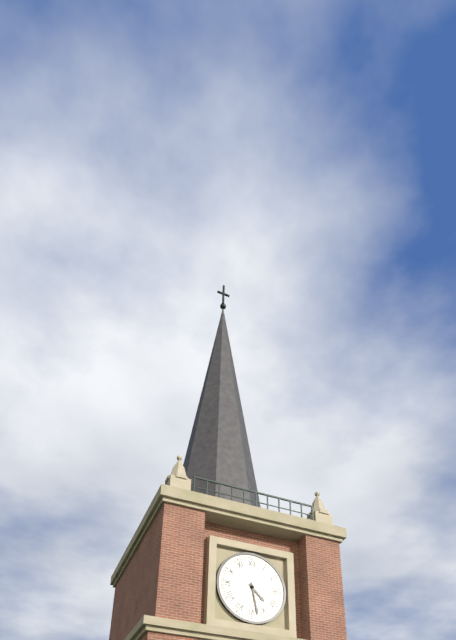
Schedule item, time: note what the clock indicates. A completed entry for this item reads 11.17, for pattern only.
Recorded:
4.28
